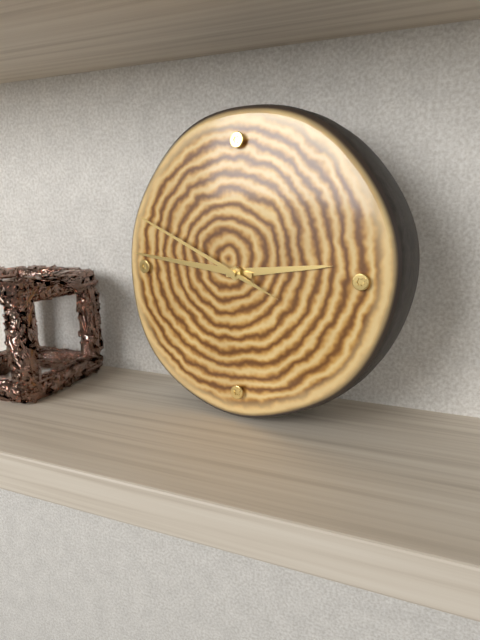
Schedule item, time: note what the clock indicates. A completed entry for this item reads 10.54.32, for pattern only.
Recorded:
2.46.49
